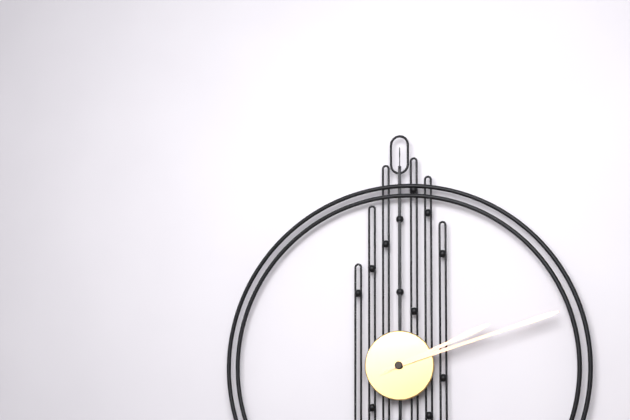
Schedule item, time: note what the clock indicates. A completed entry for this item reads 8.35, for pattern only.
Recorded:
2.12
